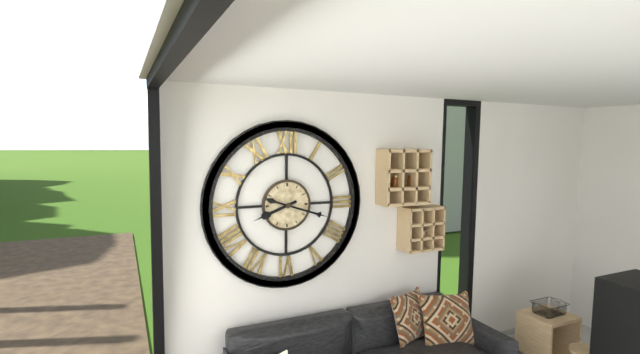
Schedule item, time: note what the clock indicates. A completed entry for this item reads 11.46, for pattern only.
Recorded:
8.18
